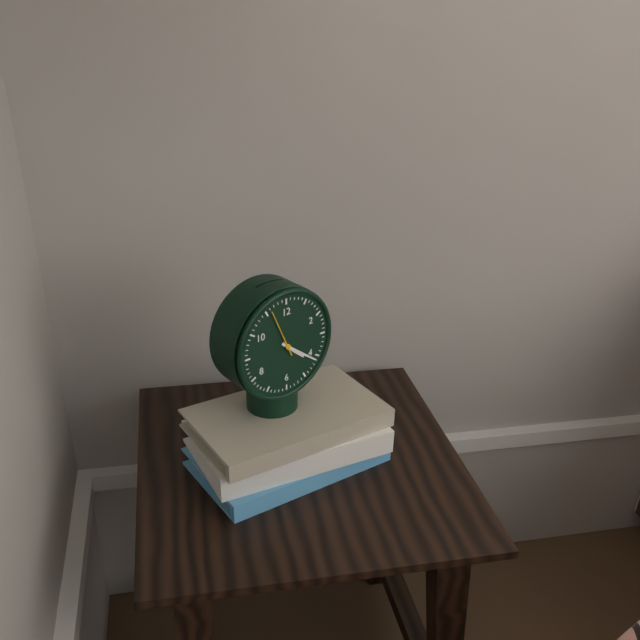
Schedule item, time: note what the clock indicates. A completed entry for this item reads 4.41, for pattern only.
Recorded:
4.21
